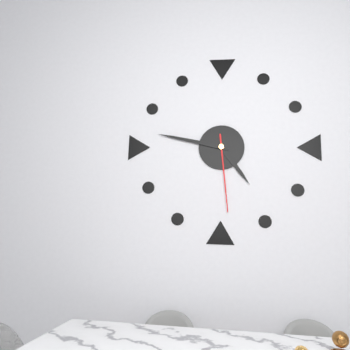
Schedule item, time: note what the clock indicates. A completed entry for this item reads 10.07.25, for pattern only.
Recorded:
4.47.29
